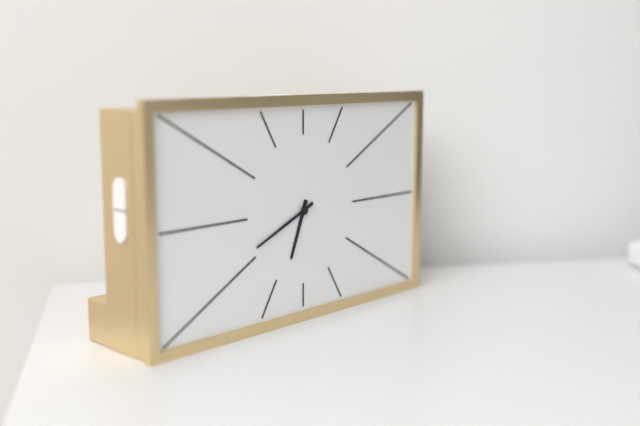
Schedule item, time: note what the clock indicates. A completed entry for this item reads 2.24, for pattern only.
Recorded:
6.41
